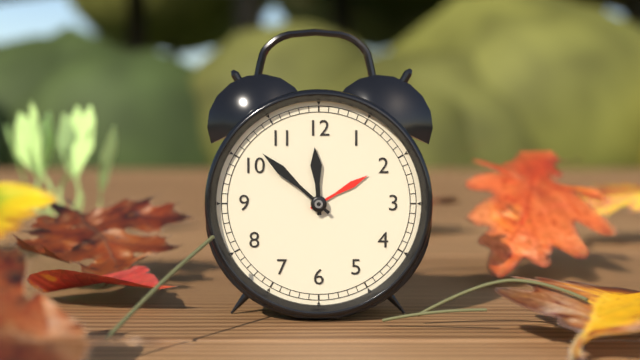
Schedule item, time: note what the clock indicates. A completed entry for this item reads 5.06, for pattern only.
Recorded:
11.52
